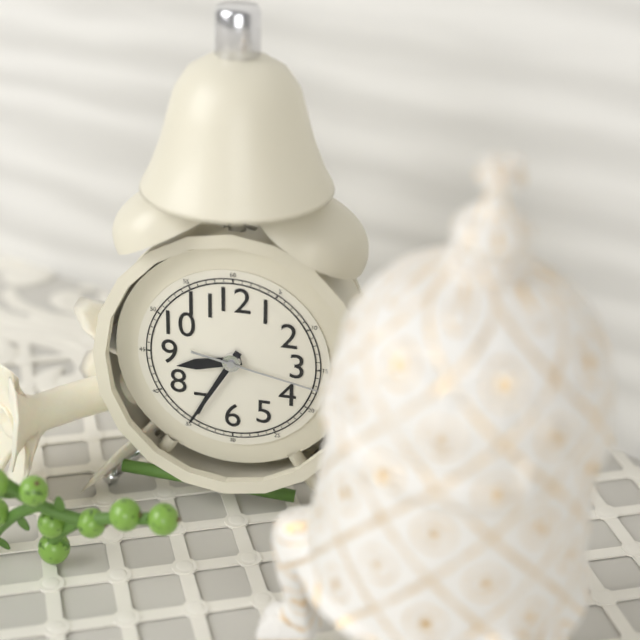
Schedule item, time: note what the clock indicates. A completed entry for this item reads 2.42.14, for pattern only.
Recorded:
8.35.17
